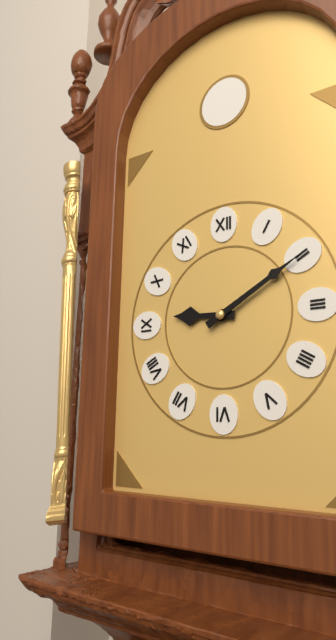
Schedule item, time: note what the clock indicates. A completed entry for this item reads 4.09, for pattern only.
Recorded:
9.10
